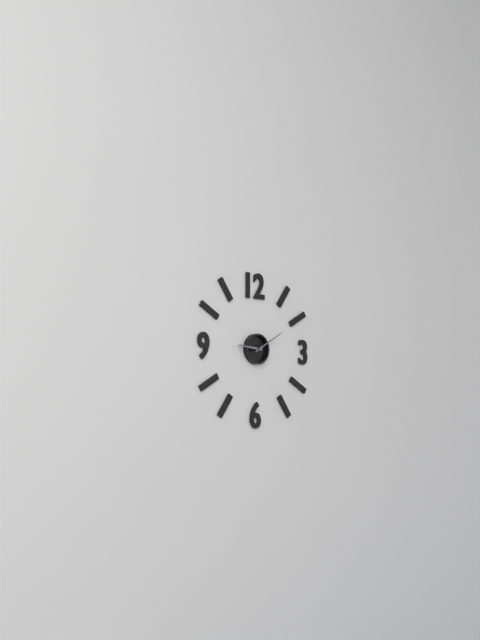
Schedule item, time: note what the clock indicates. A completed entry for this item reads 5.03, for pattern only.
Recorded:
9.10
